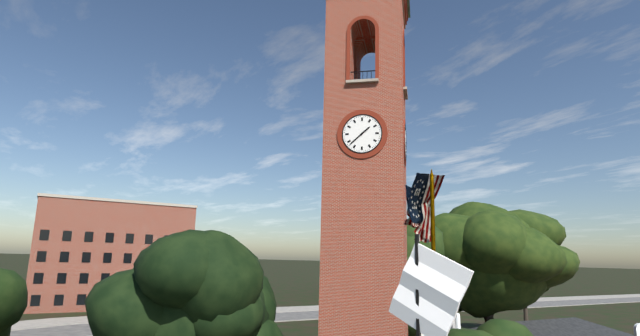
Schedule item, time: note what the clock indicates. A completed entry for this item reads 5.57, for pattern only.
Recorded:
1.38
